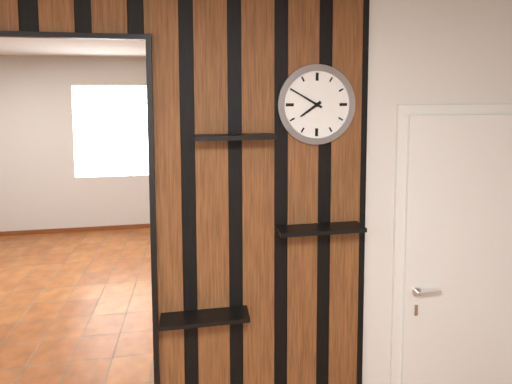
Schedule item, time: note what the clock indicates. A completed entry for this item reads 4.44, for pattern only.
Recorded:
7.50
